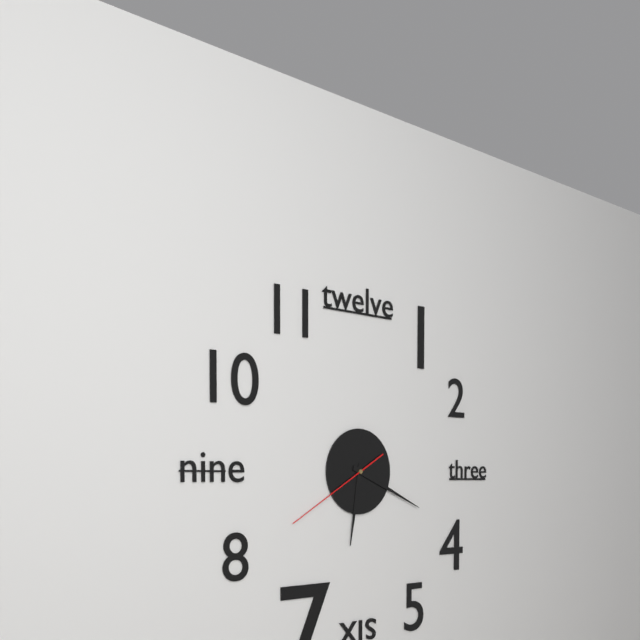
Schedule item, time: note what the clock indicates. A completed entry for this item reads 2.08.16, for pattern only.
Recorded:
6.19.40
